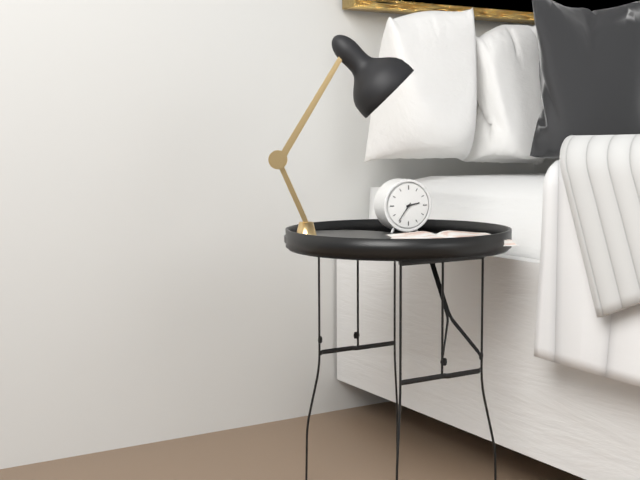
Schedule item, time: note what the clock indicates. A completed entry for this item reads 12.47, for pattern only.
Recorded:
2.36
